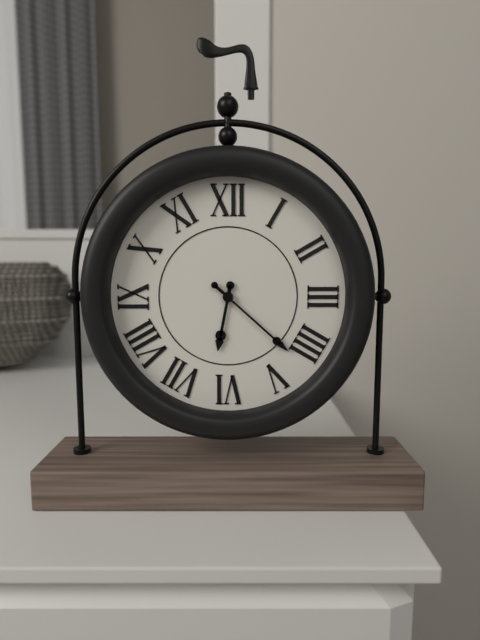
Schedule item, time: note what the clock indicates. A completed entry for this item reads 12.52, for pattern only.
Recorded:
6.22
